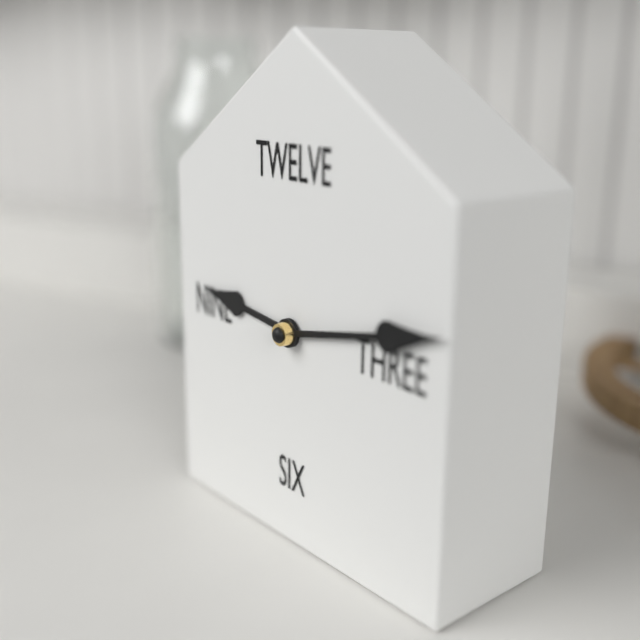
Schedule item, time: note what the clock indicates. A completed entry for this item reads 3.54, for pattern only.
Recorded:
9.13
